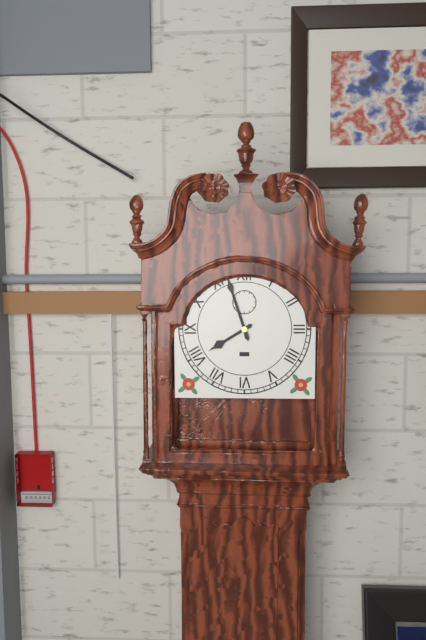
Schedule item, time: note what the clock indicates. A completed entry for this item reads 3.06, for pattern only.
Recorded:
7.57
